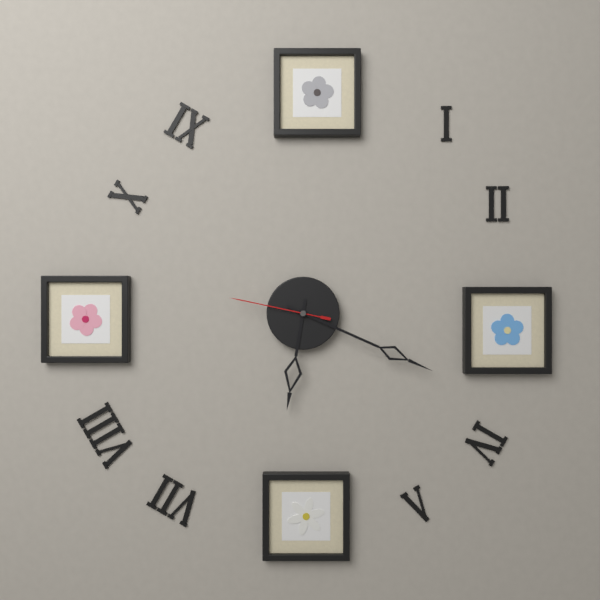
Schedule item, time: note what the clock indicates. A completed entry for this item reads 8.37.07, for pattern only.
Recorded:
6.19.47
